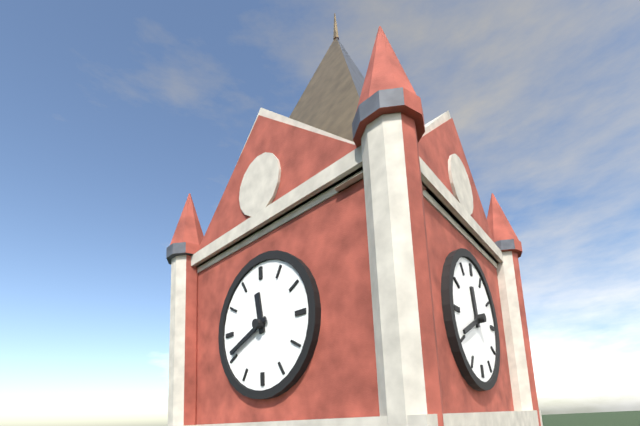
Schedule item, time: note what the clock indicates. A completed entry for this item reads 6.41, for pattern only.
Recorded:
11.41
